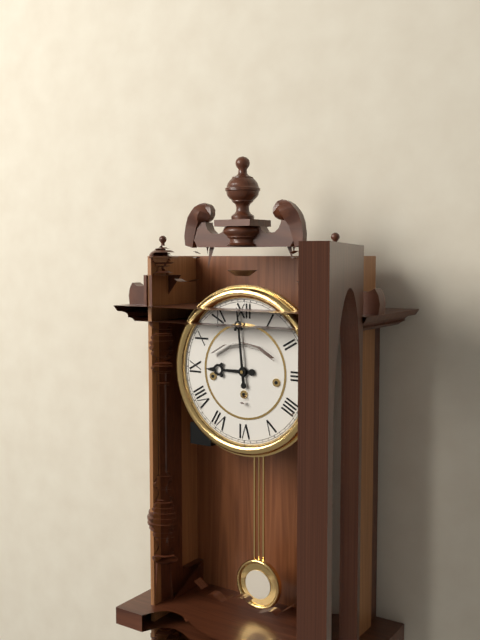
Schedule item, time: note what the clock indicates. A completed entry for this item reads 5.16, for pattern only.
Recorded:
8.59
